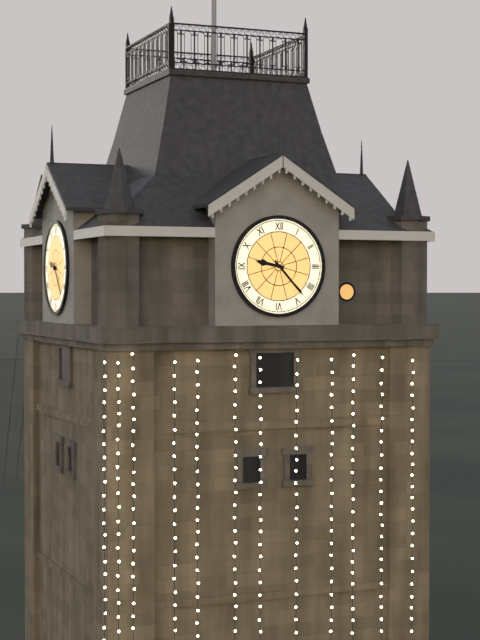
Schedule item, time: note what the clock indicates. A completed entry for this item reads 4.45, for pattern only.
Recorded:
9.23
